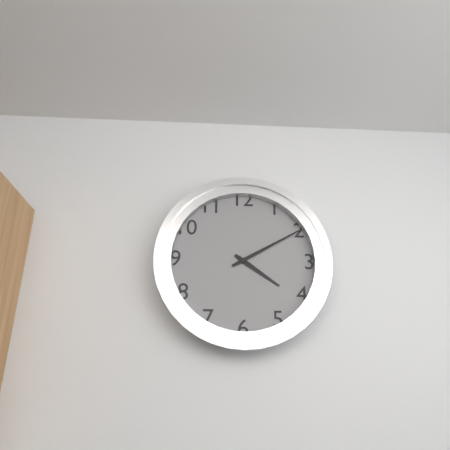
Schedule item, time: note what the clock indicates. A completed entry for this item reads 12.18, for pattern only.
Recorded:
4.10
